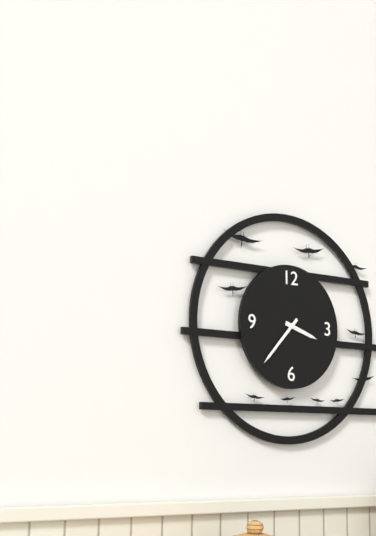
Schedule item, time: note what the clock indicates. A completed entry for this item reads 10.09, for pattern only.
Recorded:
3.37
